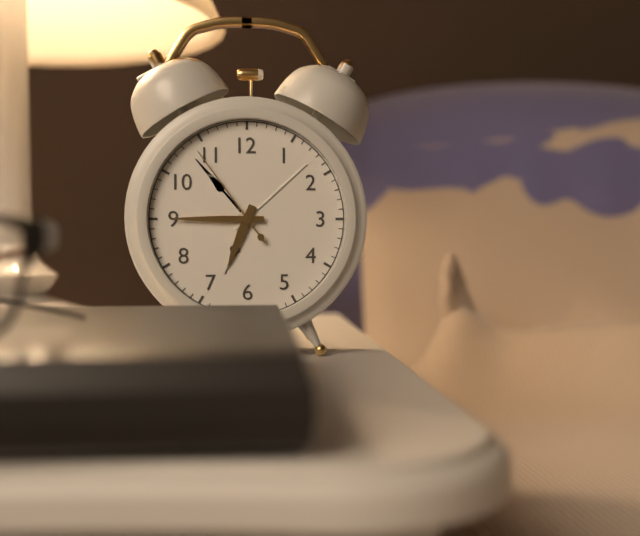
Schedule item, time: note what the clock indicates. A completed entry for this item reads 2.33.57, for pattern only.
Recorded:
6.45.54
